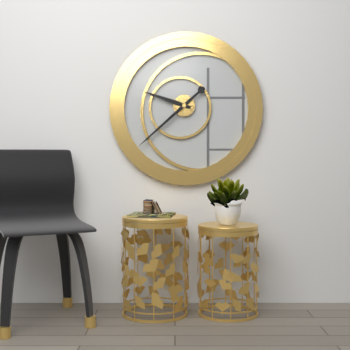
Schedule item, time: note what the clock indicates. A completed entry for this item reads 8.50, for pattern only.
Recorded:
9.38
